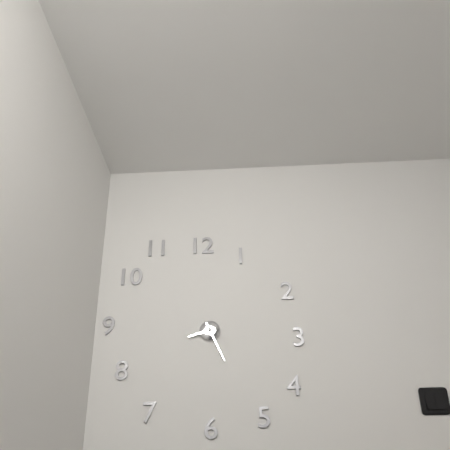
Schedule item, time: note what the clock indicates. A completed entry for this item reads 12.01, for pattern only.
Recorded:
8.26
